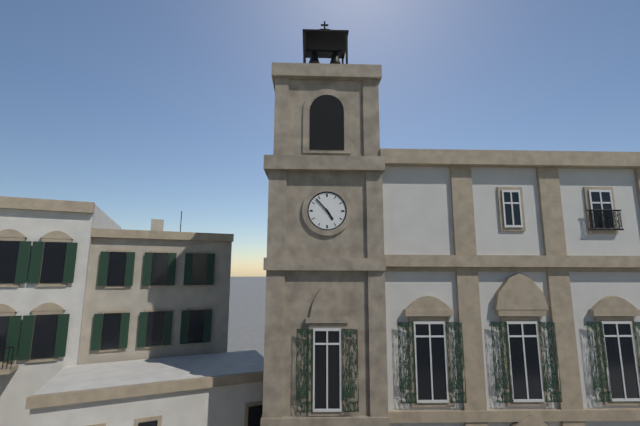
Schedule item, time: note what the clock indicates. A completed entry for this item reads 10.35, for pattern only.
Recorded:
4.53
